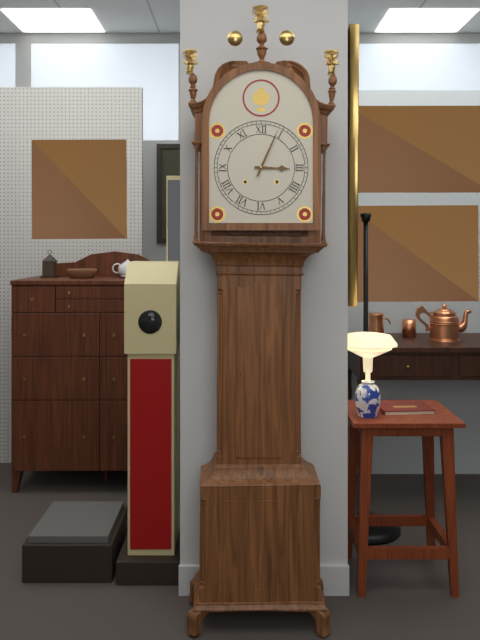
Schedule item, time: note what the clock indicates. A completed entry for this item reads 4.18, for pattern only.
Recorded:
3.04
